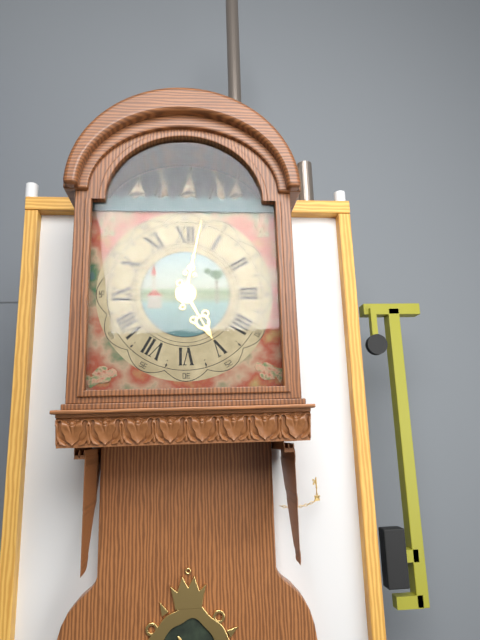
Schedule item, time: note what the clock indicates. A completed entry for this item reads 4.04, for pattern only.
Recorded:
5.02
